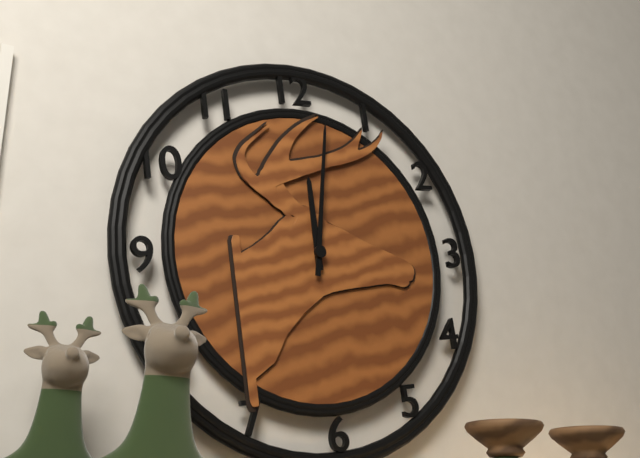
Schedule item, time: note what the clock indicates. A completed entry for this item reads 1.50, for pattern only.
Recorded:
12.02
